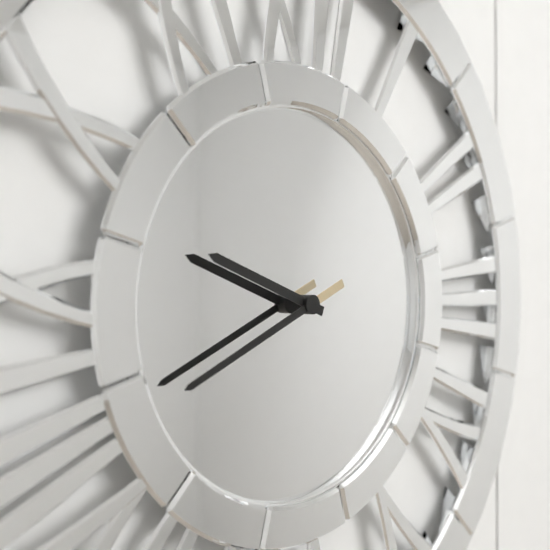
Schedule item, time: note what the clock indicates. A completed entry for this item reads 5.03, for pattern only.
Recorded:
9.41
